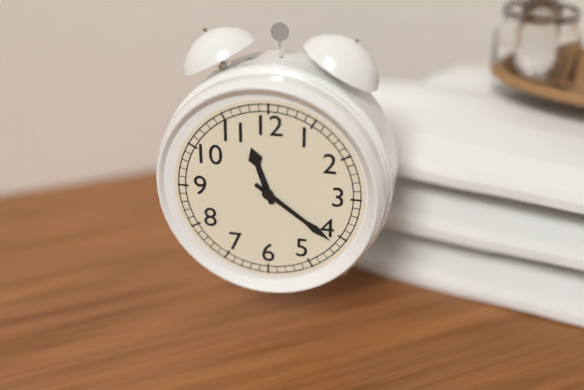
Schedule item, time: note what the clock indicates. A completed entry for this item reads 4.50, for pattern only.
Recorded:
11.21
